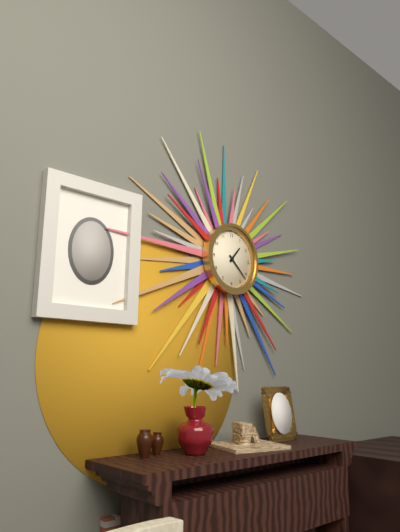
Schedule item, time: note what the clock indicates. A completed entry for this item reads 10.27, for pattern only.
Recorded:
1.22
